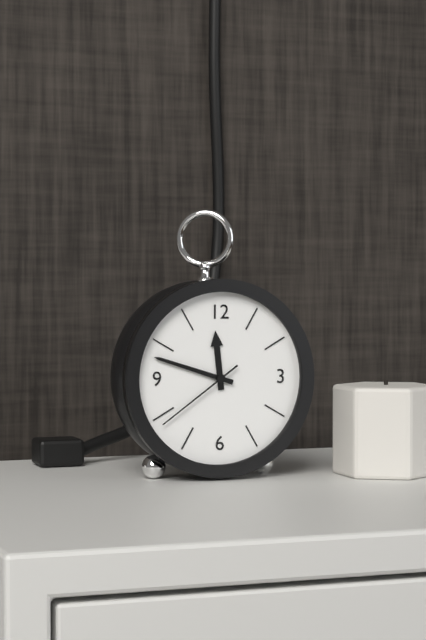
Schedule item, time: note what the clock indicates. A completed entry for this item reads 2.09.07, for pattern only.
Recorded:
11.48.39
